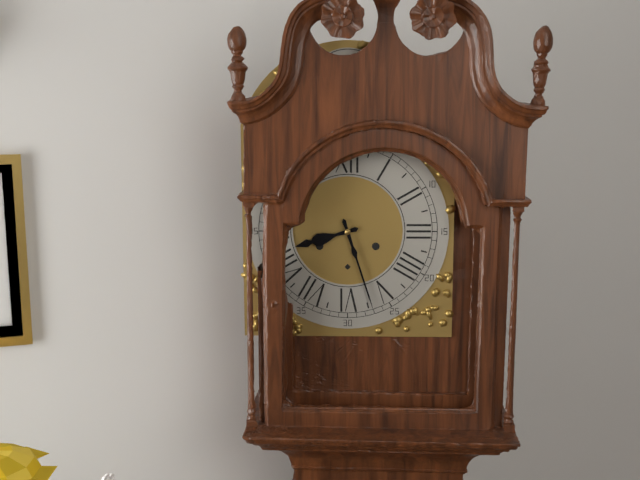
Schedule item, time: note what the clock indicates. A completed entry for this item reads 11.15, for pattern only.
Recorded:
8.27
